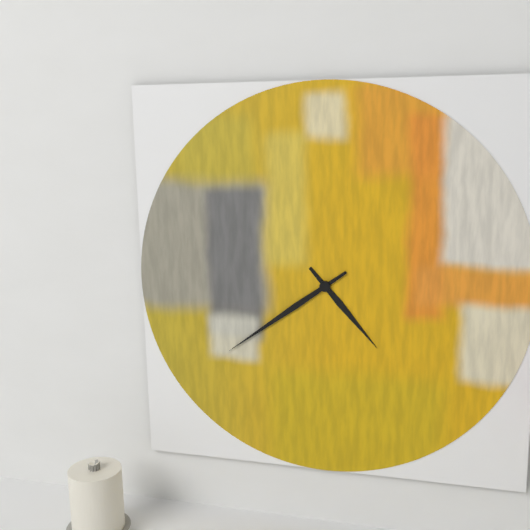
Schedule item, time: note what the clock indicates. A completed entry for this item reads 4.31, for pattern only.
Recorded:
4.39
